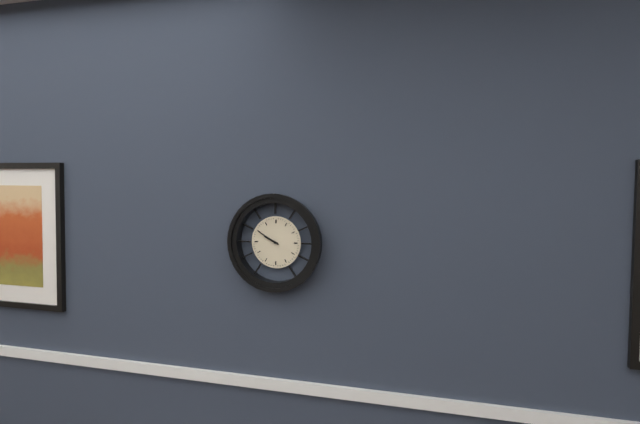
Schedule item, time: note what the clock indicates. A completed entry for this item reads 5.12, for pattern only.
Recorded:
9.50
